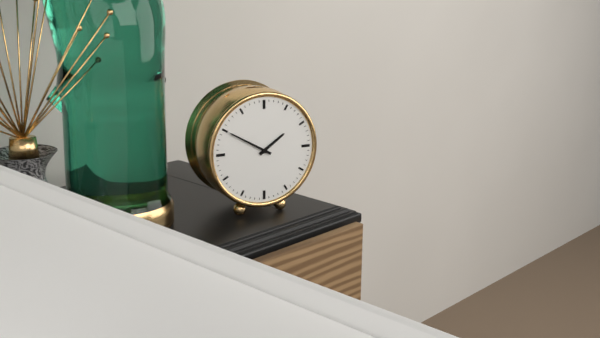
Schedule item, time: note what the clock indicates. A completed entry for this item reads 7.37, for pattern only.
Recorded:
1.50
